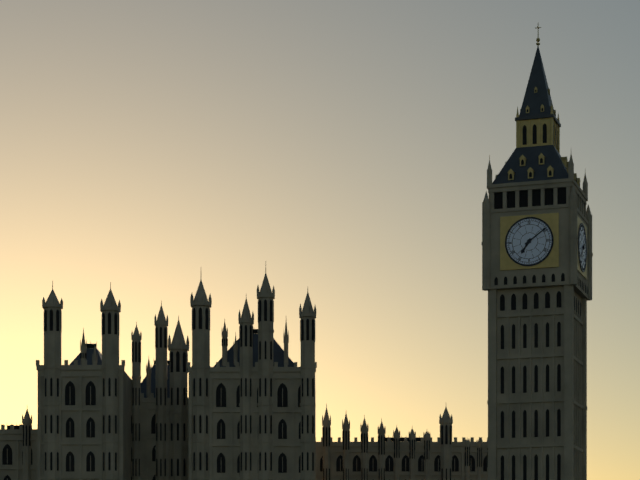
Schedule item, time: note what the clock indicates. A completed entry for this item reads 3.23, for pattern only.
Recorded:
7.09
